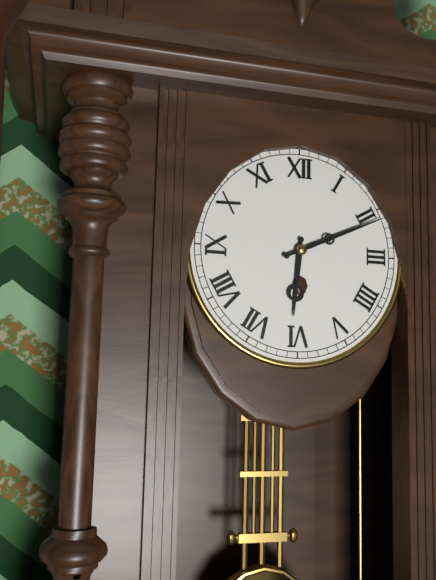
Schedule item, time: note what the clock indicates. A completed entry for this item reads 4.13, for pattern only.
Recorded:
6.11
